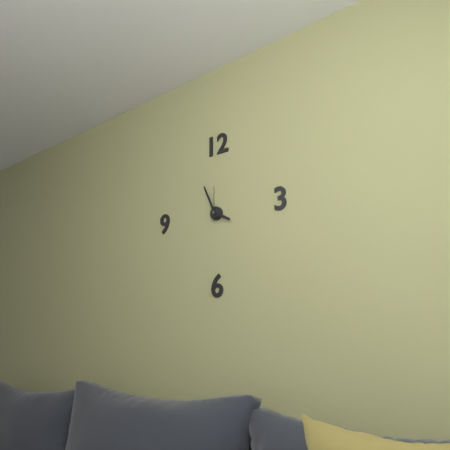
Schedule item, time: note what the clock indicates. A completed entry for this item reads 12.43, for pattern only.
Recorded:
3.56
